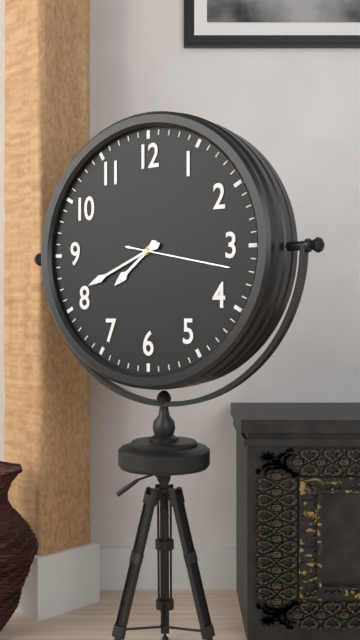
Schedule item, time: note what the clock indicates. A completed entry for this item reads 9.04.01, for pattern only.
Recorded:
7.41.17
